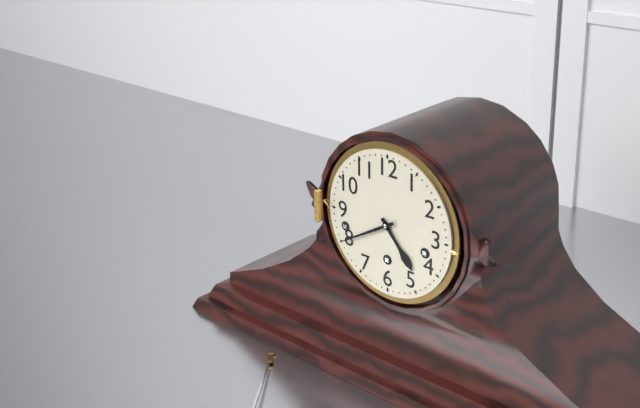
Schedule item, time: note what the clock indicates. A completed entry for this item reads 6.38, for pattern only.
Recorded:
4.40
